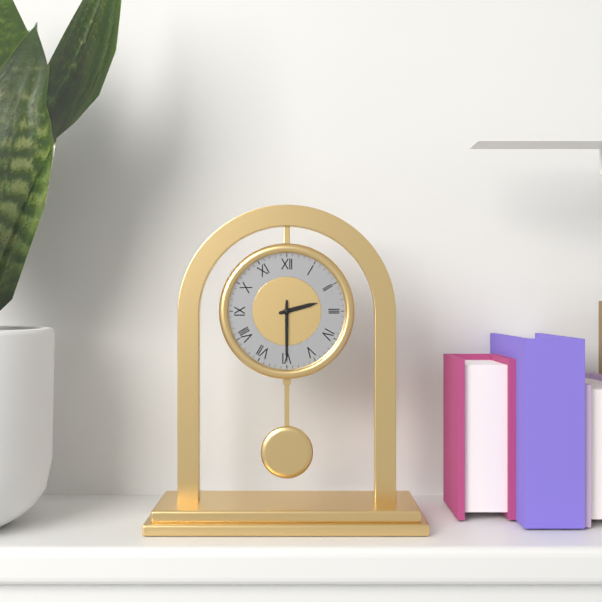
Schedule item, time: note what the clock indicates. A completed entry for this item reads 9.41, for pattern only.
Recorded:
2.30
